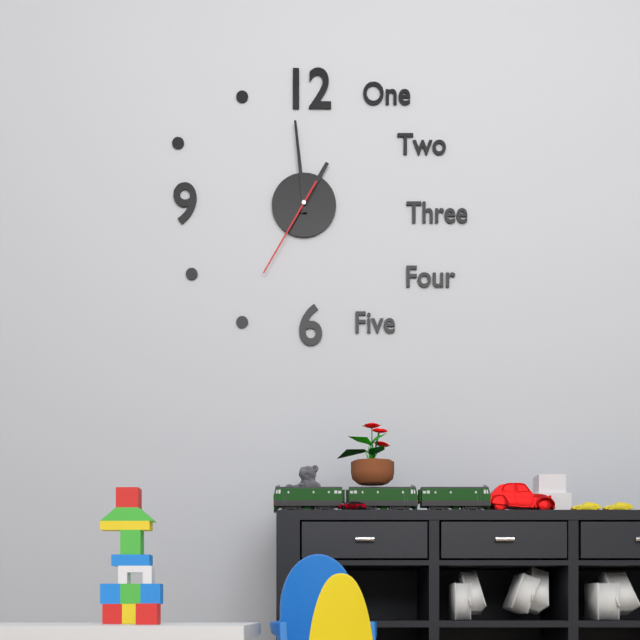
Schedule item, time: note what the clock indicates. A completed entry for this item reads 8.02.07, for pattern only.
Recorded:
12.59.35
